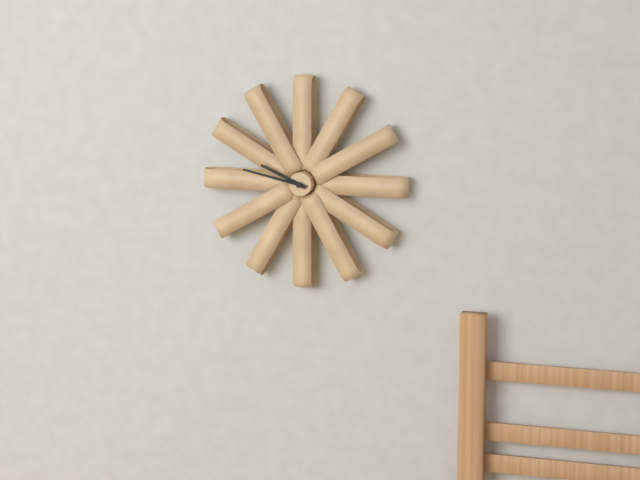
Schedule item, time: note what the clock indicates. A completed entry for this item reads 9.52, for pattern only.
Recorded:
9.47
